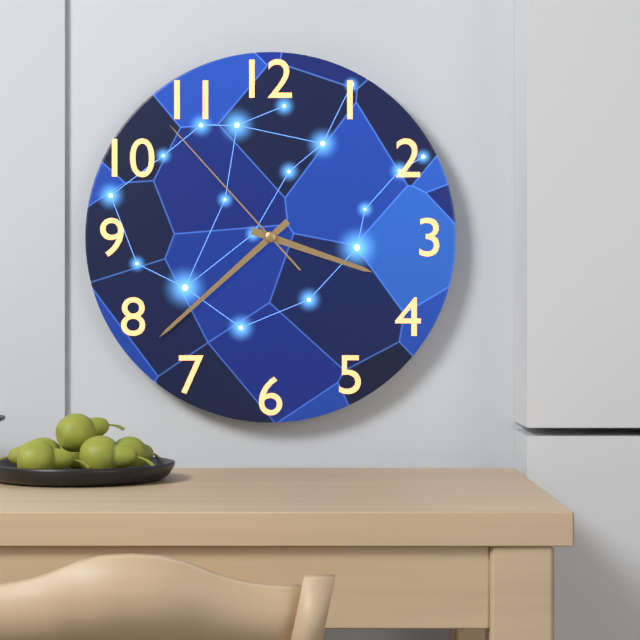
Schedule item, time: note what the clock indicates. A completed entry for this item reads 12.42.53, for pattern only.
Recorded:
3.38.53
